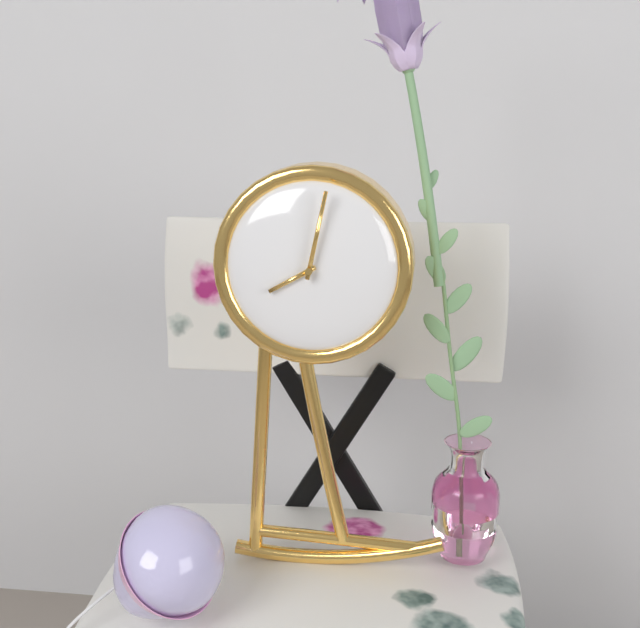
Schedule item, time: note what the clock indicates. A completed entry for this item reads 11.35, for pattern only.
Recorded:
8.02
